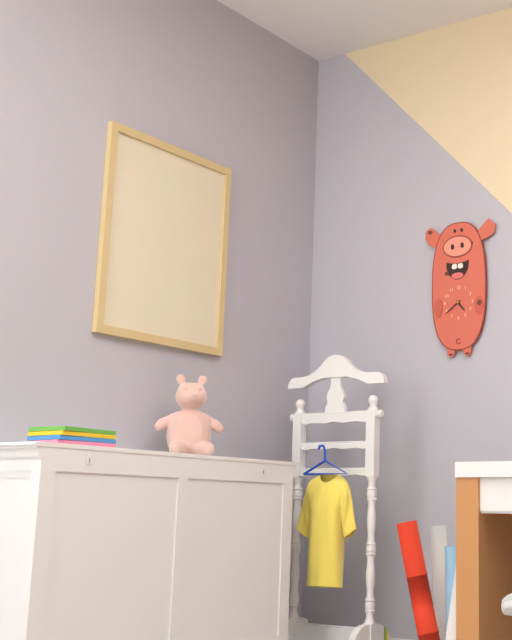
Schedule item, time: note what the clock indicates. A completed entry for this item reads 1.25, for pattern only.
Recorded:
4.39
